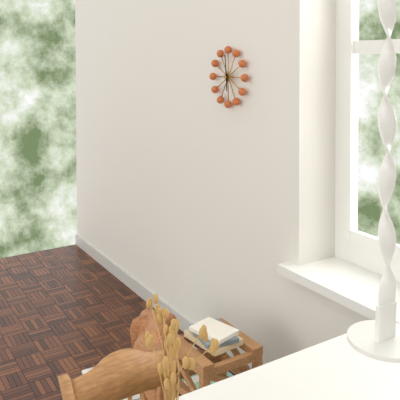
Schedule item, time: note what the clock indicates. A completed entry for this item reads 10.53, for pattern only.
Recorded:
5.59
